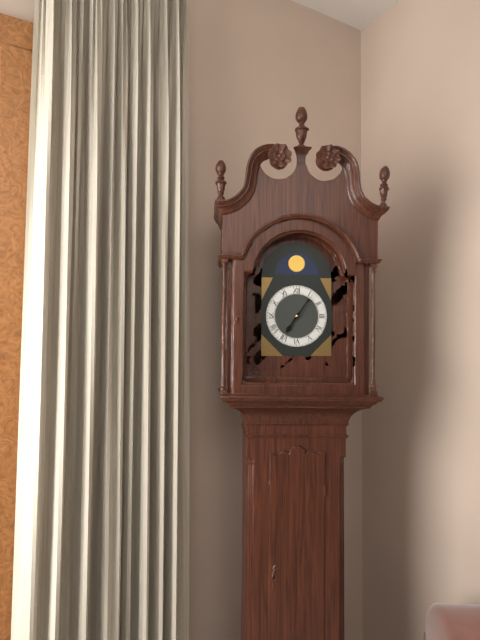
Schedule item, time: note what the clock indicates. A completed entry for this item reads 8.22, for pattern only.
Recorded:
7.06
